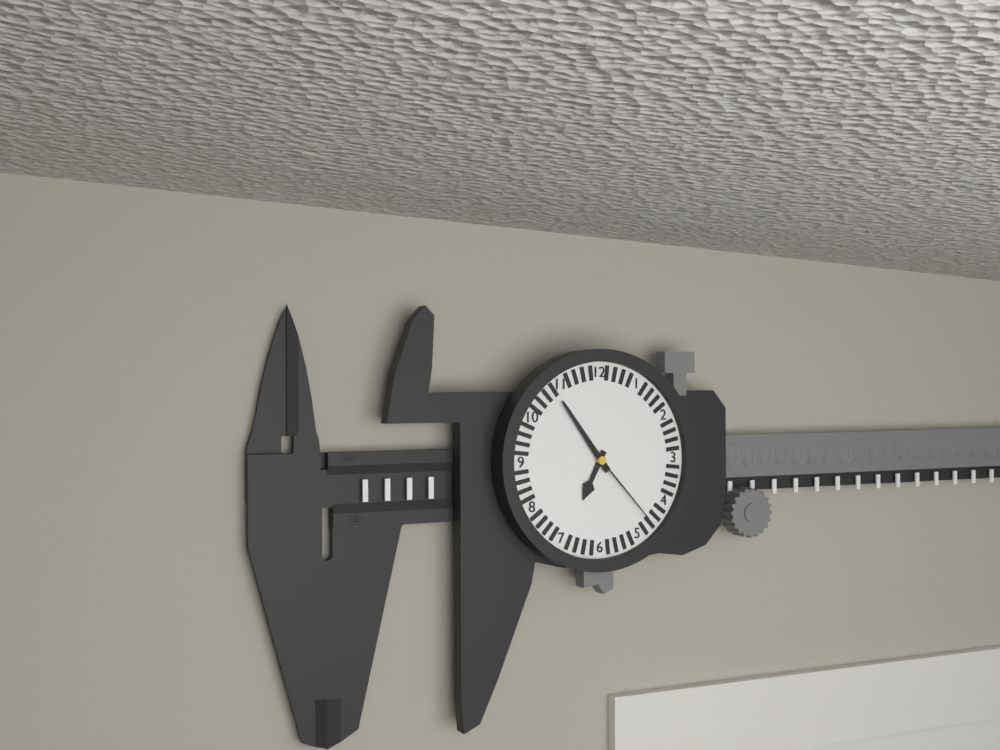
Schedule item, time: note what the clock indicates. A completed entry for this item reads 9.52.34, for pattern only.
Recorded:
6.54.23
